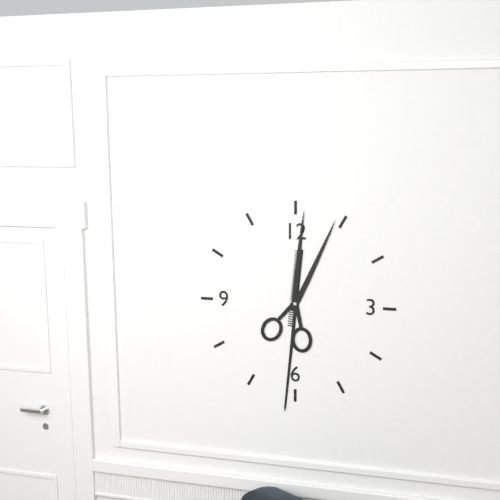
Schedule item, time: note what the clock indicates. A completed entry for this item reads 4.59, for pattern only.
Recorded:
12.31
